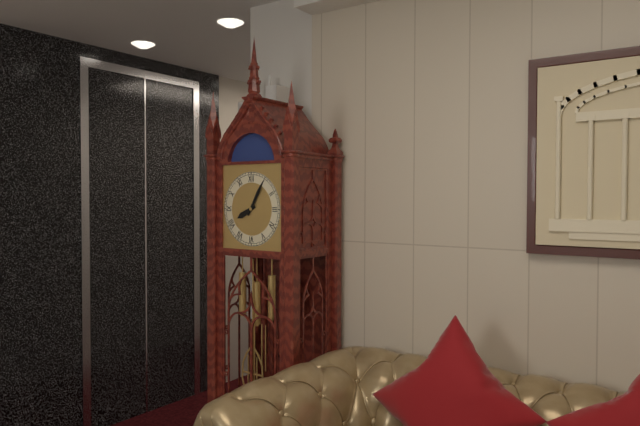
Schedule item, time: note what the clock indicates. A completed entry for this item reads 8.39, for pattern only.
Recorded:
8.05
